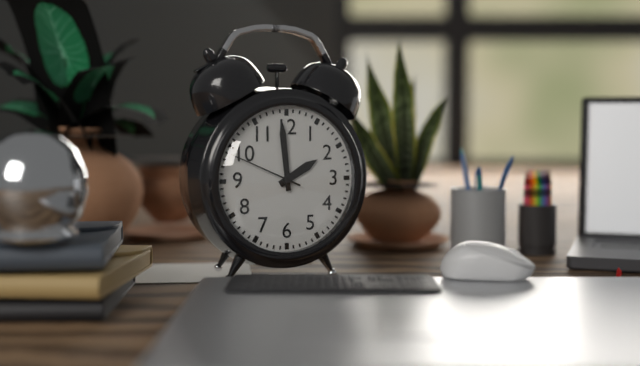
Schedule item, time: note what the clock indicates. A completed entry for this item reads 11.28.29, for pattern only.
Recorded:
1.59.49
